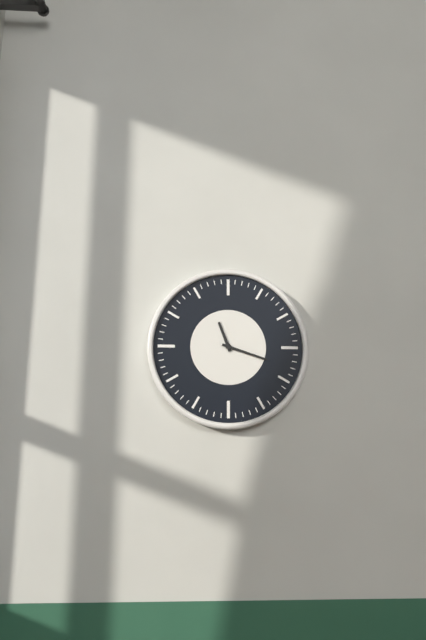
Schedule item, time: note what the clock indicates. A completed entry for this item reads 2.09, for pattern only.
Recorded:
11.18
